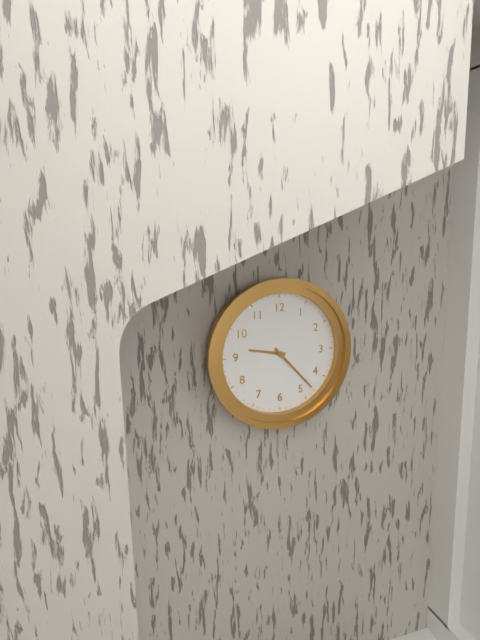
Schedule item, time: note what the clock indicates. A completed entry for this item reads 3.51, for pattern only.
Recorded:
9.23
